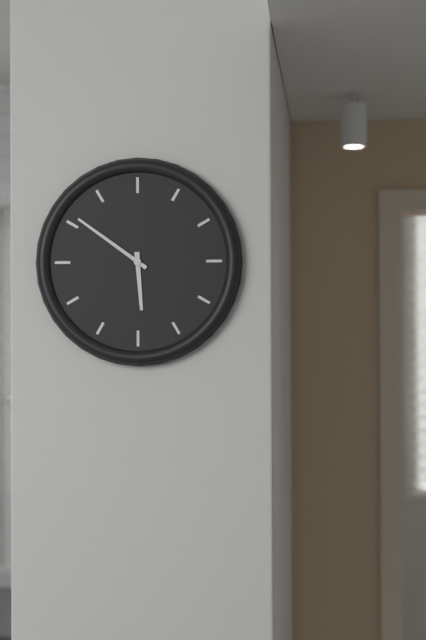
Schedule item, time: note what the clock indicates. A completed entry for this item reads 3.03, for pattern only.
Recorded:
5.51
